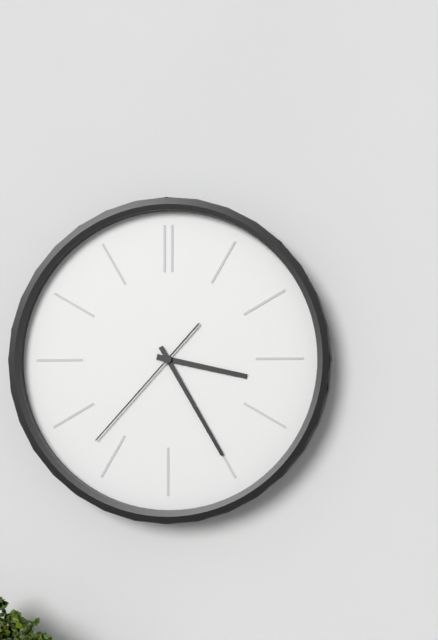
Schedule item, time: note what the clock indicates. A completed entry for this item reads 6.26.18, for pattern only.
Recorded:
3.25.37
